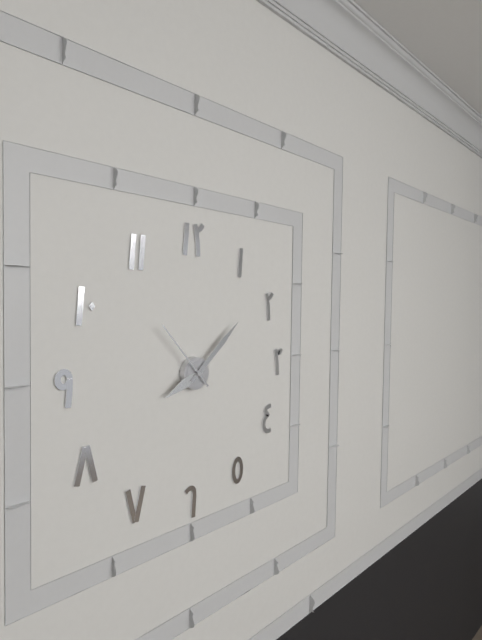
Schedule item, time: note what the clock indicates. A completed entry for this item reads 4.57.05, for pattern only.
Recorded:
8.08.53
